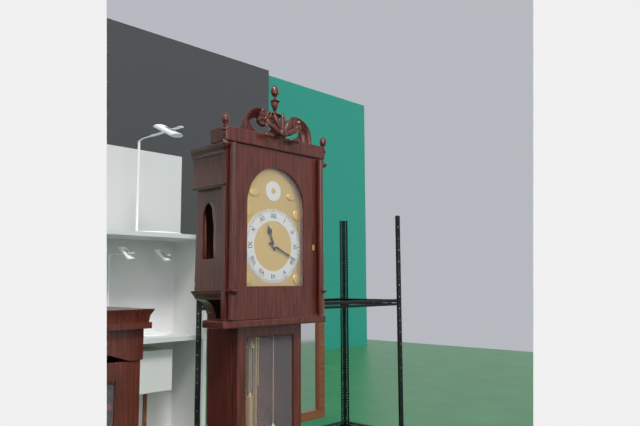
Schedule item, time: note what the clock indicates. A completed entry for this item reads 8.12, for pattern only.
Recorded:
11.19
